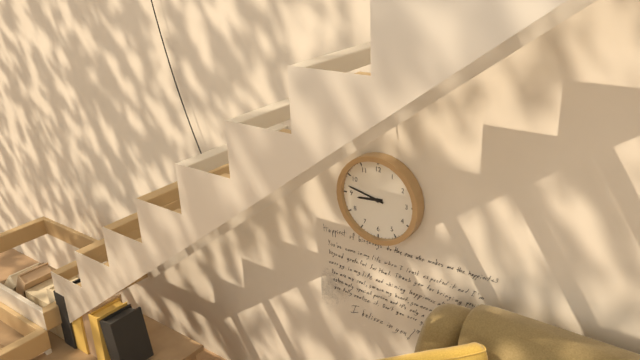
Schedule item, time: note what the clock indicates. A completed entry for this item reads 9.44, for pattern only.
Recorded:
8.47
